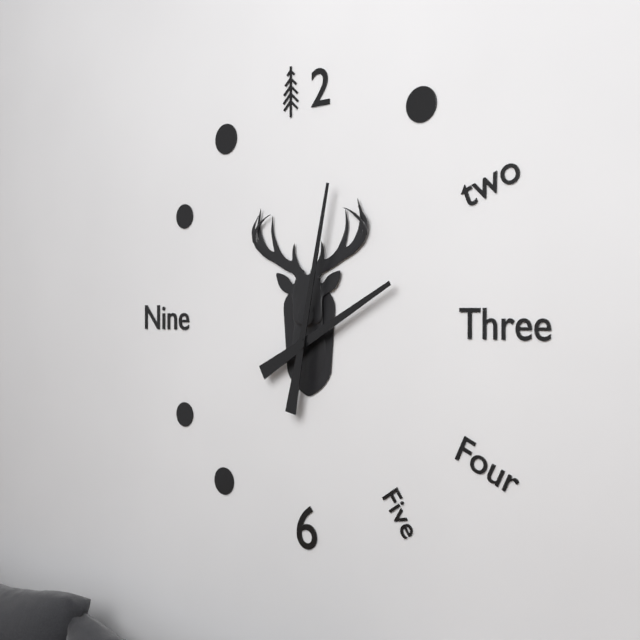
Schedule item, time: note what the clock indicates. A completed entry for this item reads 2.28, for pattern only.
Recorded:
2.02
